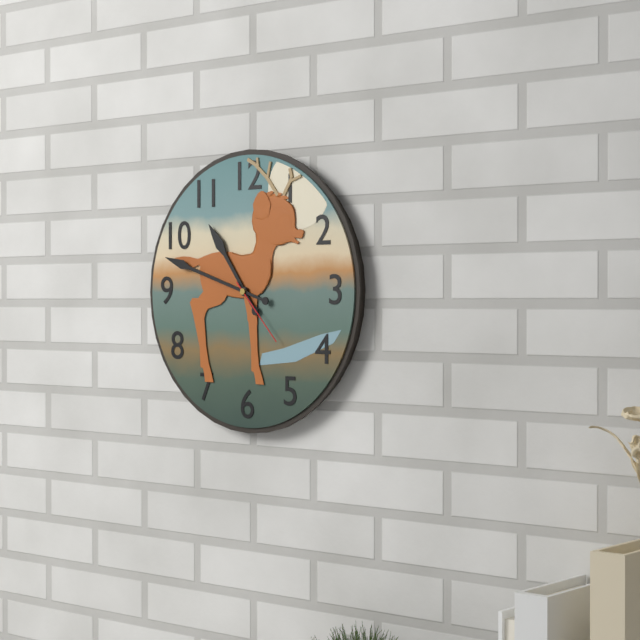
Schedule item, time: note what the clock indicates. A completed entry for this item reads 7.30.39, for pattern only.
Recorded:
10.48.23
